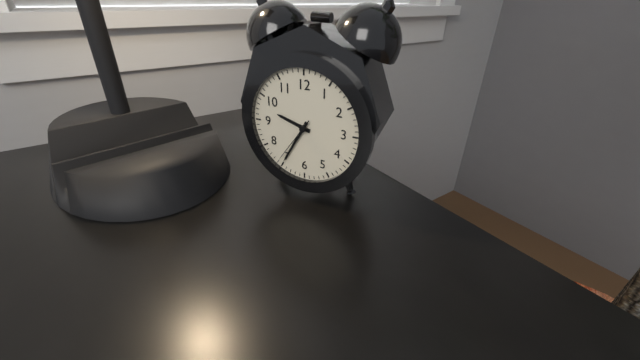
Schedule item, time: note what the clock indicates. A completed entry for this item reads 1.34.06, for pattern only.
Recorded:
9.35.36
